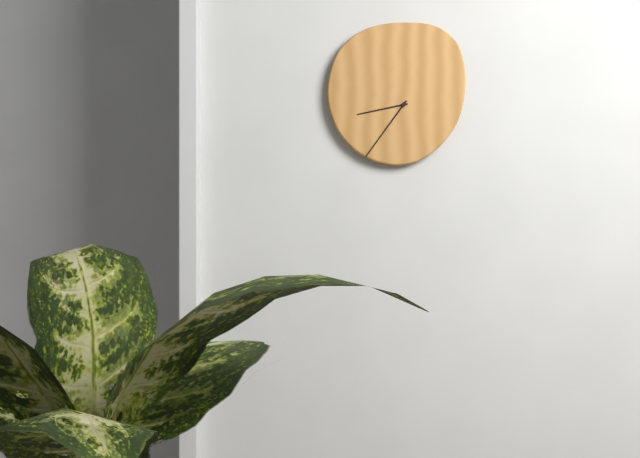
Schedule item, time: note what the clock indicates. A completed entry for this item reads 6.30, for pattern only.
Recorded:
8.36
